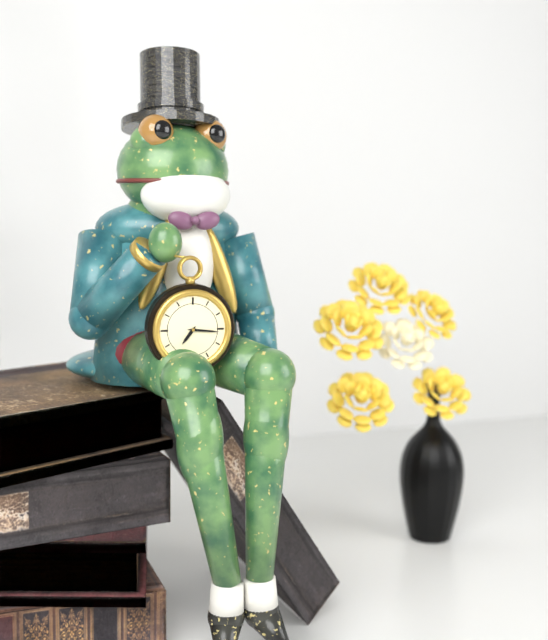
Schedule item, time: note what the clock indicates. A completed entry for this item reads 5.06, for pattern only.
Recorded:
7.16
